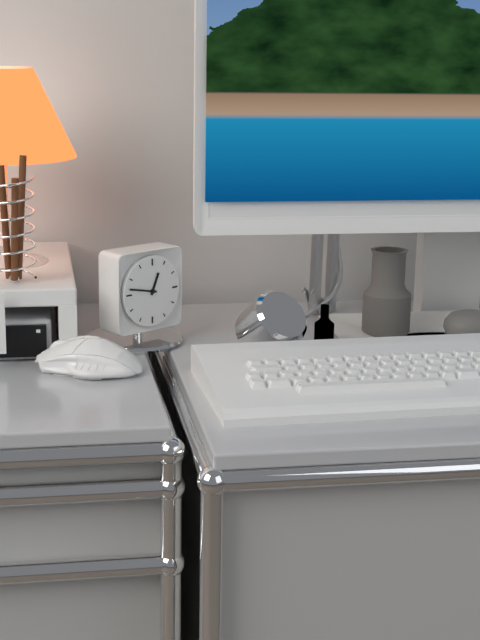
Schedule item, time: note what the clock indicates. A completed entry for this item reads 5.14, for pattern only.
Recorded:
12.47
